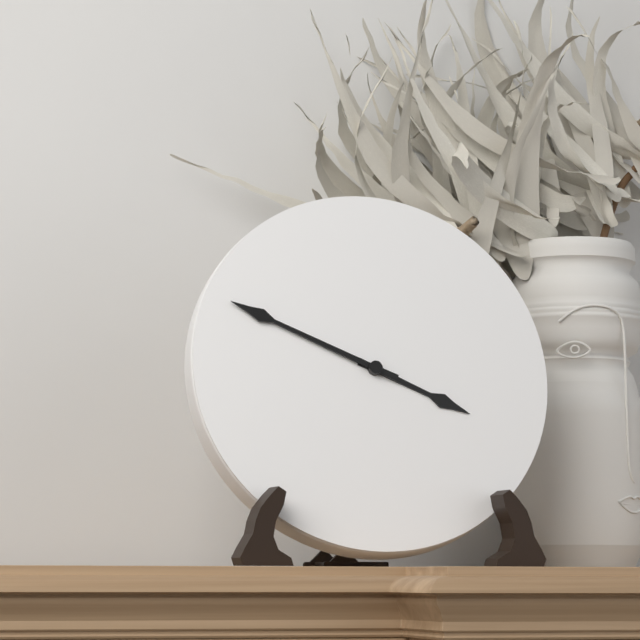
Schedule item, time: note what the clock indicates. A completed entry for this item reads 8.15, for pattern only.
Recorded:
3.49
